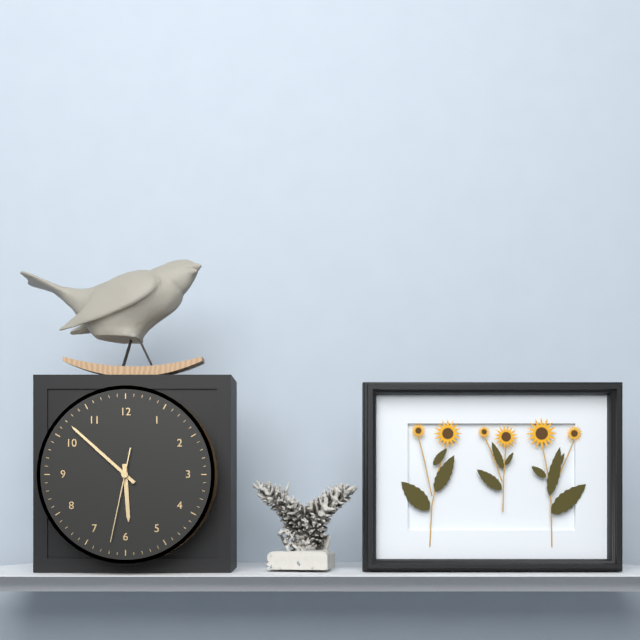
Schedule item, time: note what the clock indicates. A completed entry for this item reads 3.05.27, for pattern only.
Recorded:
5.52.32
